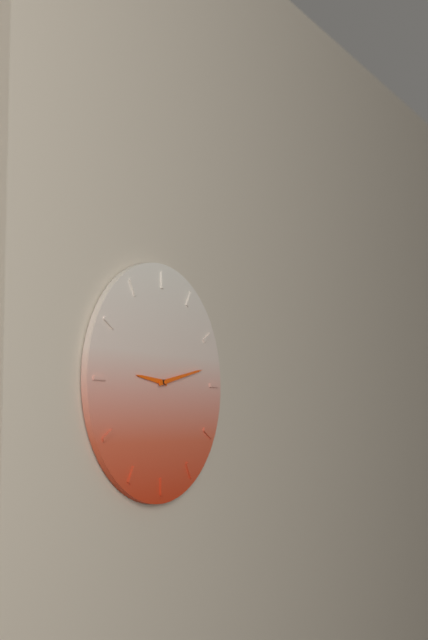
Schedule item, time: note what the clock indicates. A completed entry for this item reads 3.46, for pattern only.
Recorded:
9.13
